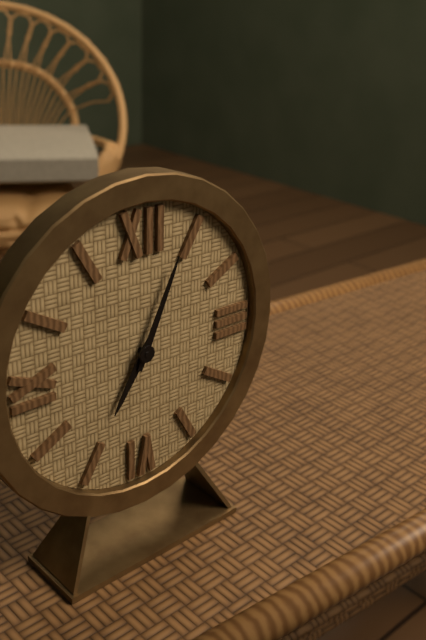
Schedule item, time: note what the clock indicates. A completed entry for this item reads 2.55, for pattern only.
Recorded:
7.04
